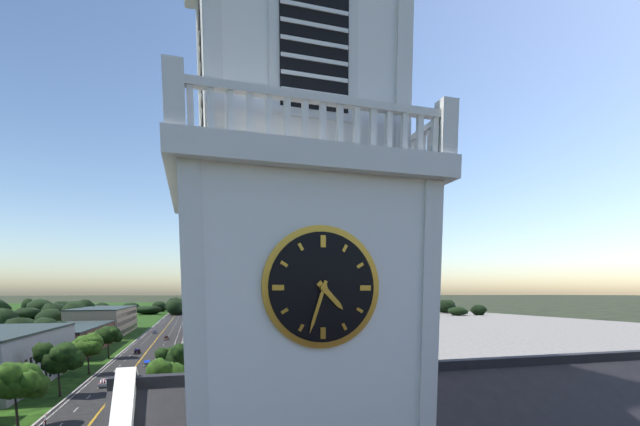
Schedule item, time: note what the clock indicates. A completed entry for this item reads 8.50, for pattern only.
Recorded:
4.33
